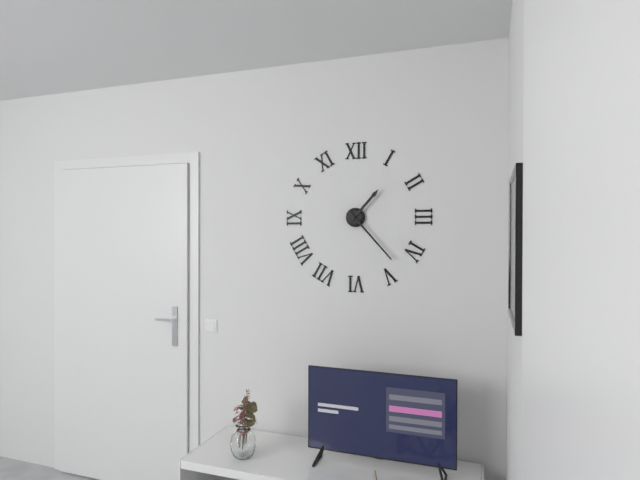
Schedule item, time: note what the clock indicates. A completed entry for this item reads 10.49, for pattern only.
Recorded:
1.23
